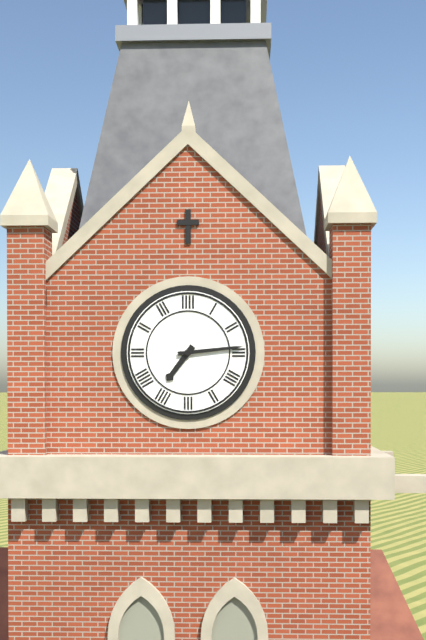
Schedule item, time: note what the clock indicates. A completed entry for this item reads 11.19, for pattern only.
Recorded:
7.14
